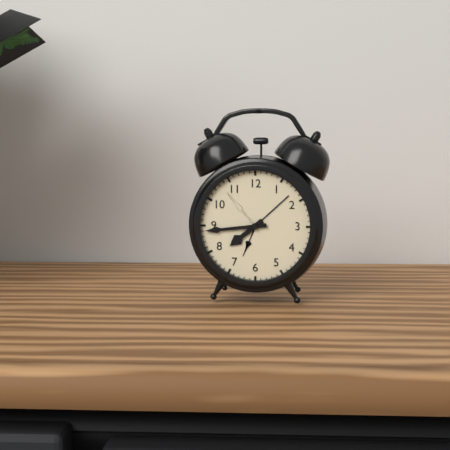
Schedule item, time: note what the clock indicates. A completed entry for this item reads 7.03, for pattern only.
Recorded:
7.44
